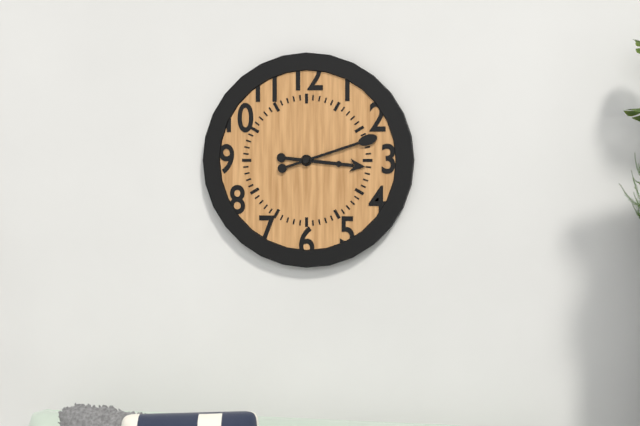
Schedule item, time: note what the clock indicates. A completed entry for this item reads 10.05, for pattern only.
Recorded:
3.12
